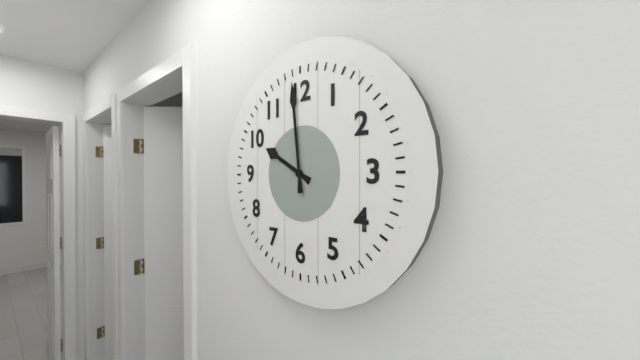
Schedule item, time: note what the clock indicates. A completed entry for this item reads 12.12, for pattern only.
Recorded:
9.59
